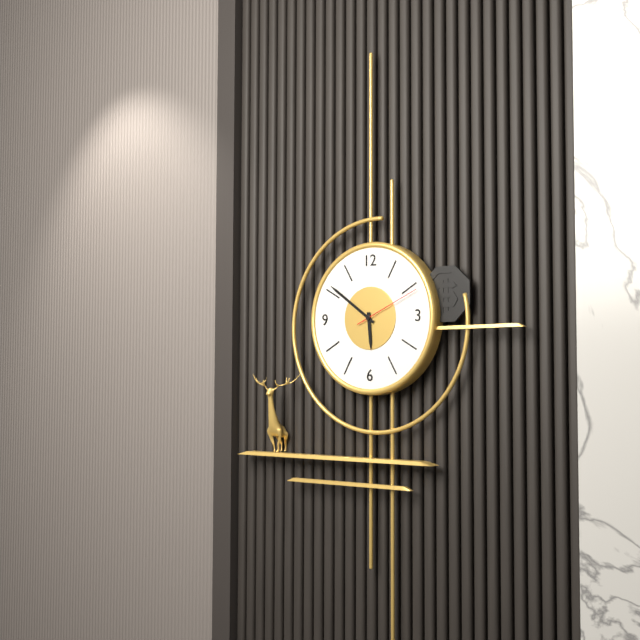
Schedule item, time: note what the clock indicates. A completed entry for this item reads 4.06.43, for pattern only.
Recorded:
5.51.11
